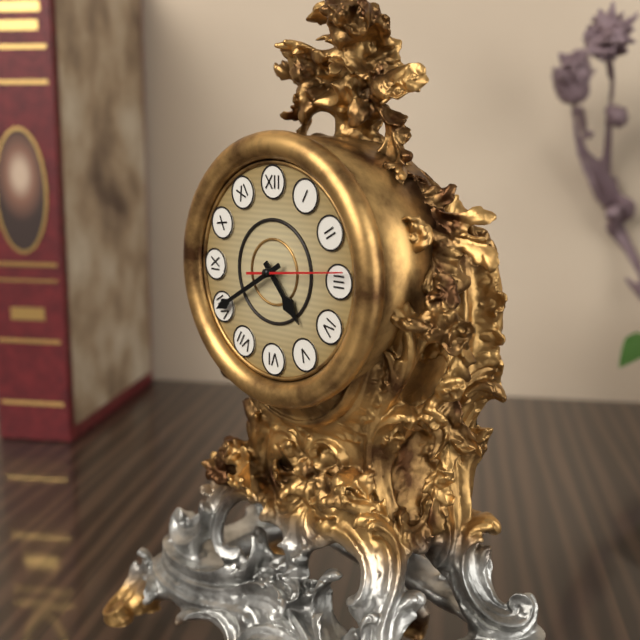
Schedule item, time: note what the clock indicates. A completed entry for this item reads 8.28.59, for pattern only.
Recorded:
4.40.14
